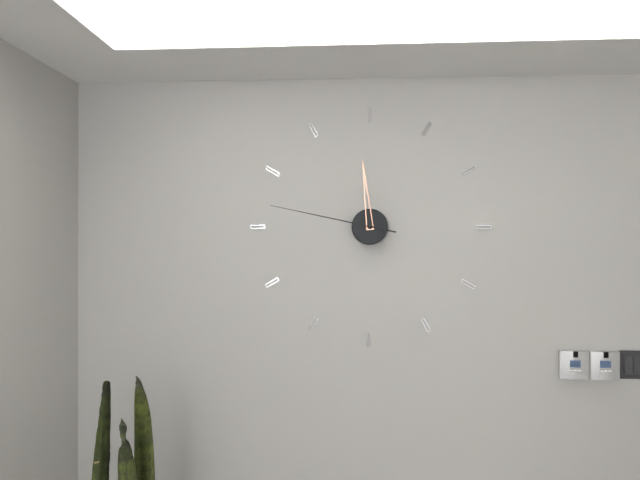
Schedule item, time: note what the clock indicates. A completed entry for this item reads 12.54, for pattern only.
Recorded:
11.47
